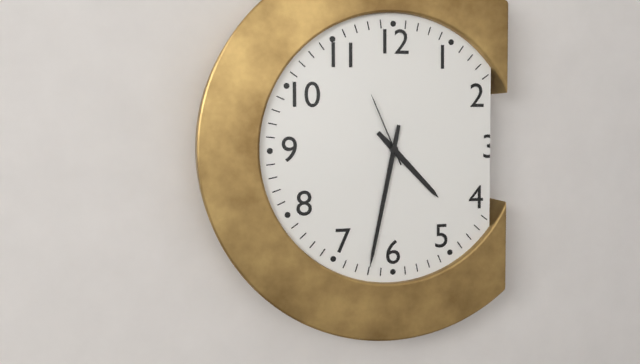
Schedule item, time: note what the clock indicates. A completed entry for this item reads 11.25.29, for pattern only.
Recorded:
4.32.56
